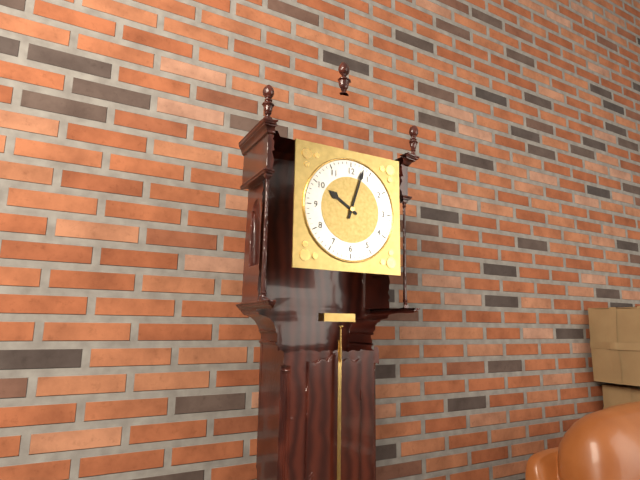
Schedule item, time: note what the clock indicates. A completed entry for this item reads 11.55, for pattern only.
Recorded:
10.03
